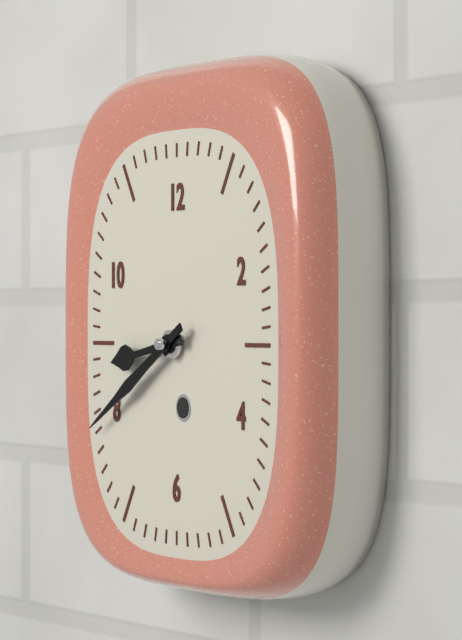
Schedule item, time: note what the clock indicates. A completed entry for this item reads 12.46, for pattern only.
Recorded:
8.40
